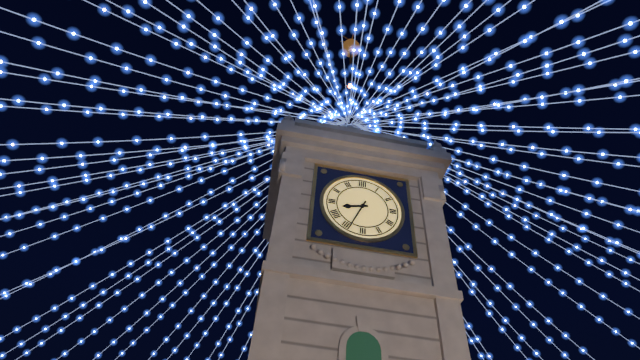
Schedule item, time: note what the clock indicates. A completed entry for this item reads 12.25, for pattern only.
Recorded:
8.34
